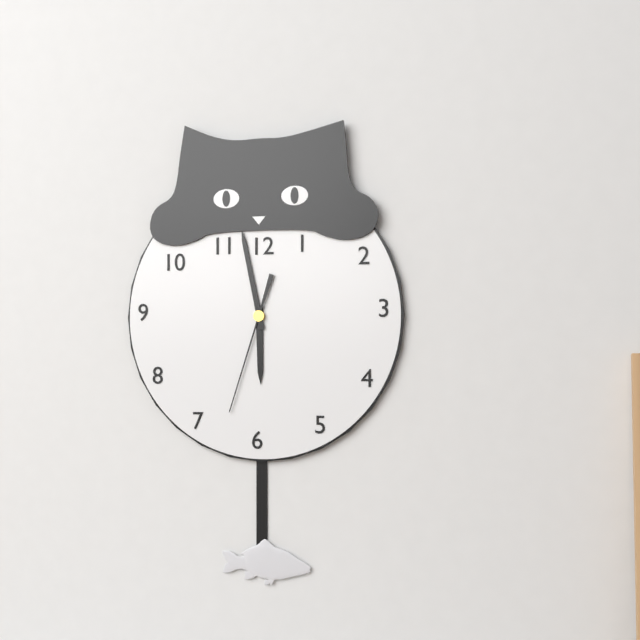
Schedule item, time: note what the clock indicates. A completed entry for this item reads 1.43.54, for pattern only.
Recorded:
5.58.33
